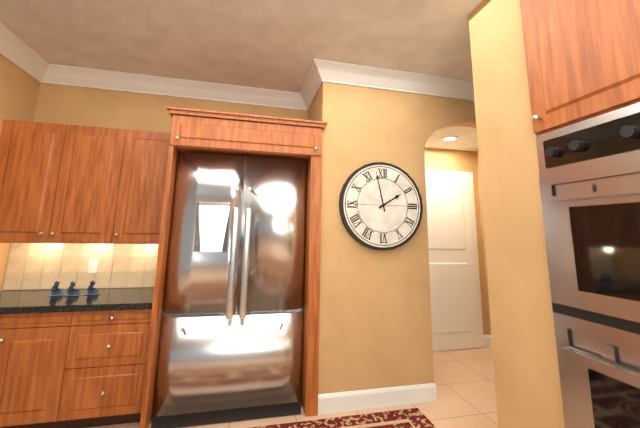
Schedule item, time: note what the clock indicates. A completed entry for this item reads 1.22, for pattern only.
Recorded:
1.58
